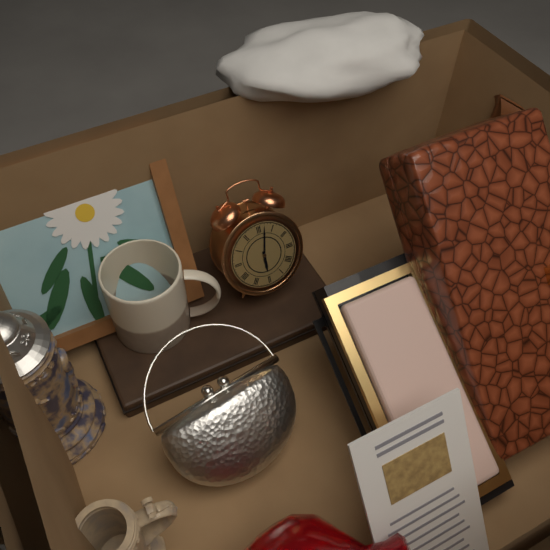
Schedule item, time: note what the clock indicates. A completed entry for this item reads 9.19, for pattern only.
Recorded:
6.02
